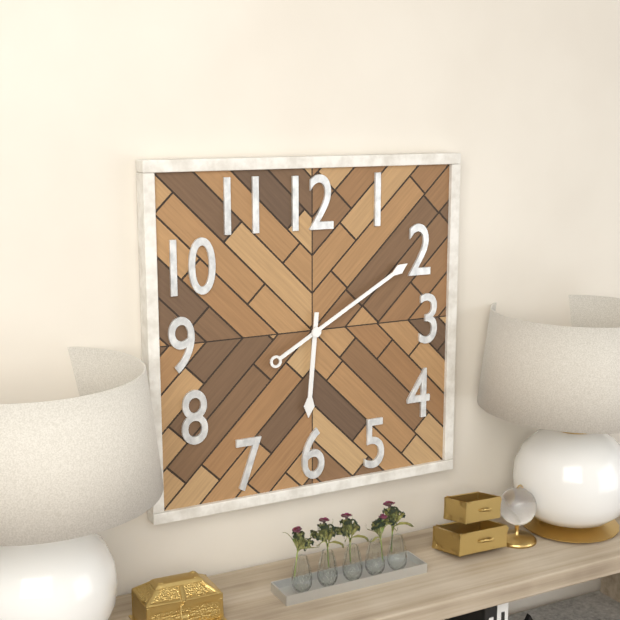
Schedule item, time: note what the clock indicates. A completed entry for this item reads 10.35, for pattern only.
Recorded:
6.10
